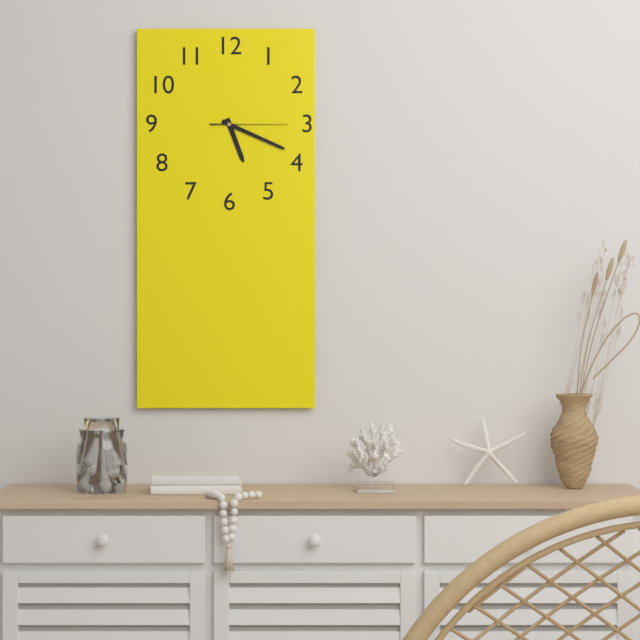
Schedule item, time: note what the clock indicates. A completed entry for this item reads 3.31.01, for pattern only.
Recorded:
5.19.15
